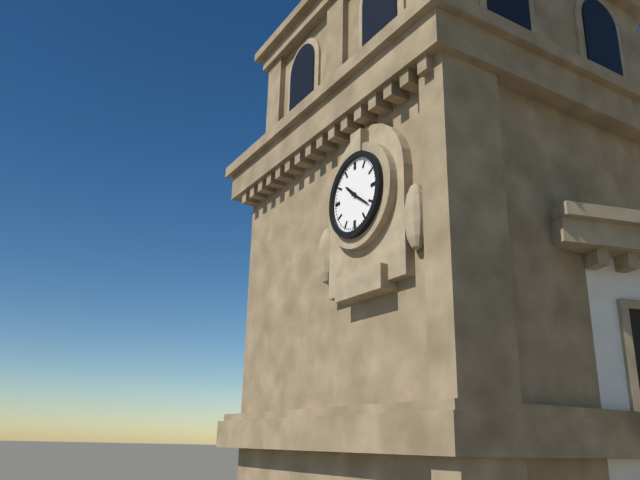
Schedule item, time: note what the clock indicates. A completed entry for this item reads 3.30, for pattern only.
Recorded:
10.21
